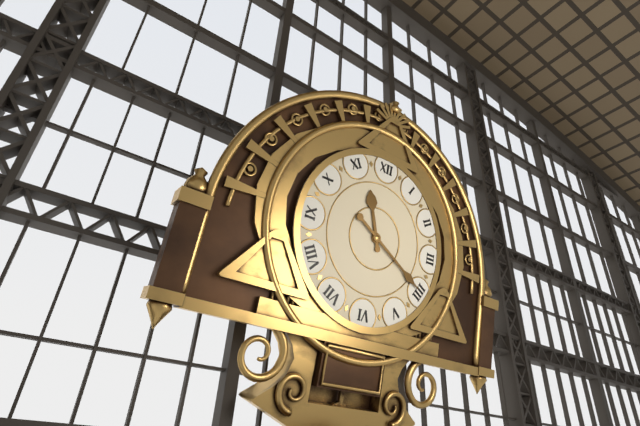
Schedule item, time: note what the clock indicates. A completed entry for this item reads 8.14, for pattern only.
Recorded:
11.20
